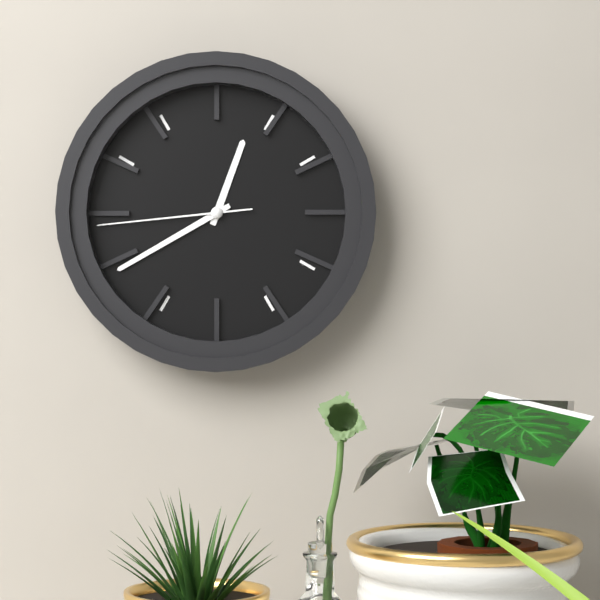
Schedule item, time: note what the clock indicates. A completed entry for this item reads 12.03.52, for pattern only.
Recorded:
12.40.44
